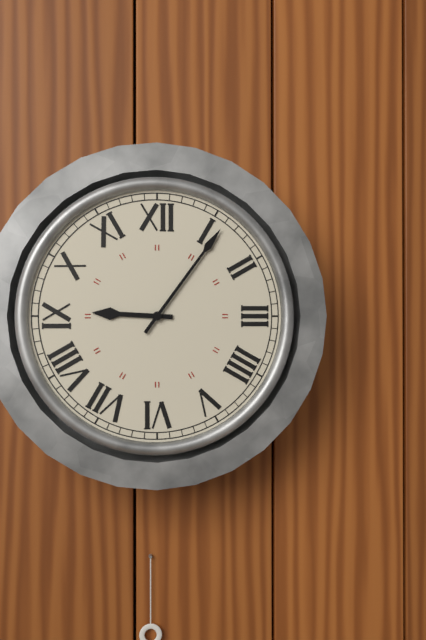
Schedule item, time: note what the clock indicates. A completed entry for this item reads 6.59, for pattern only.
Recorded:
9.06
